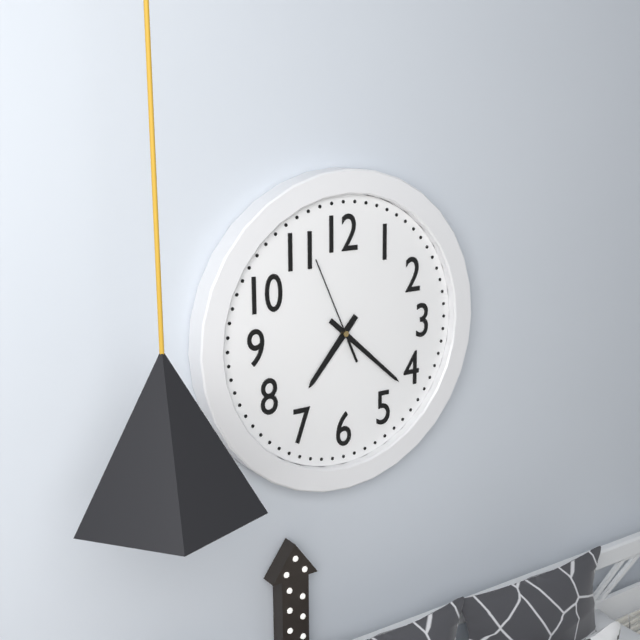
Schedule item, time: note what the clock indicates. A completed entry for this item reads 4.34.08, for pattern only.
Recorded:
7.22.56
